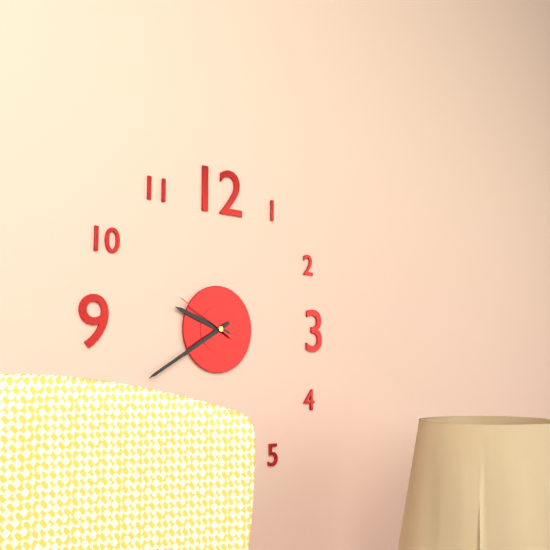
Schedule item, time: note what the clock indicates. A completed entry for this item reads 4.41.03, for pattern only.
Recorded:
9.40.50
